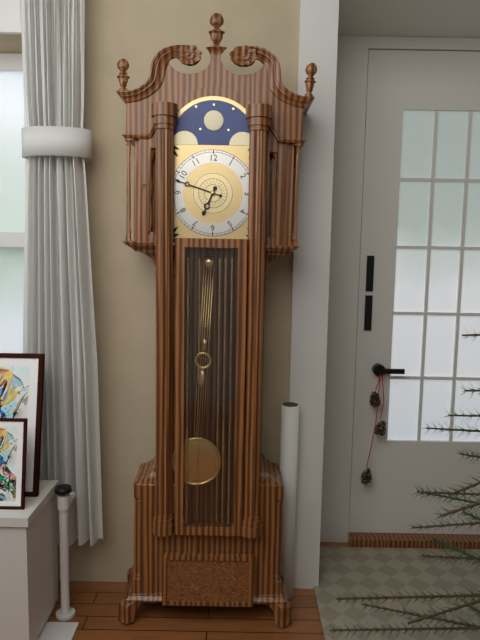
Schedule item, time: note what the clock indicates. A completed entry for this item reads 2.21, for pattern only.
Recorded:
6.48
